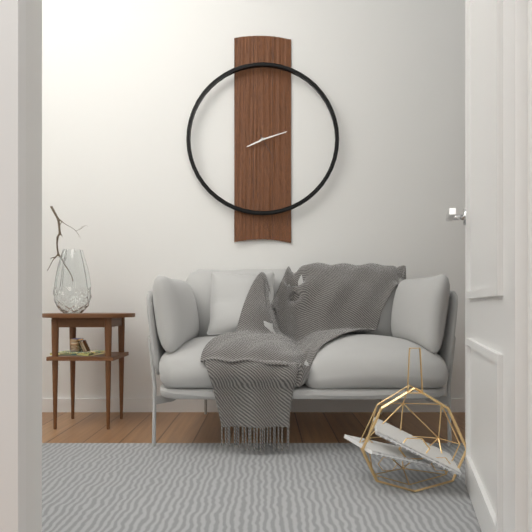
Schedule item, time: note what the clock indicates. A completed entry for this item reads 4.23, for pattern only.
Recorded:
8.12
